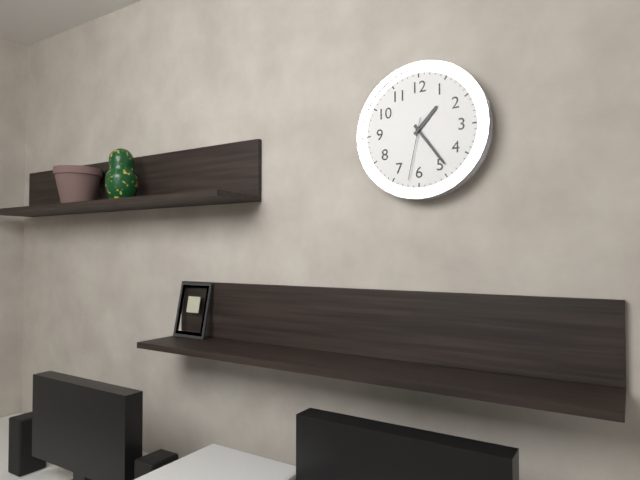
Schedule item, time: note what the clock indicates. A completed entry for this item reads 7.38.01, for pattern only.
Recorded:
1.24.32
